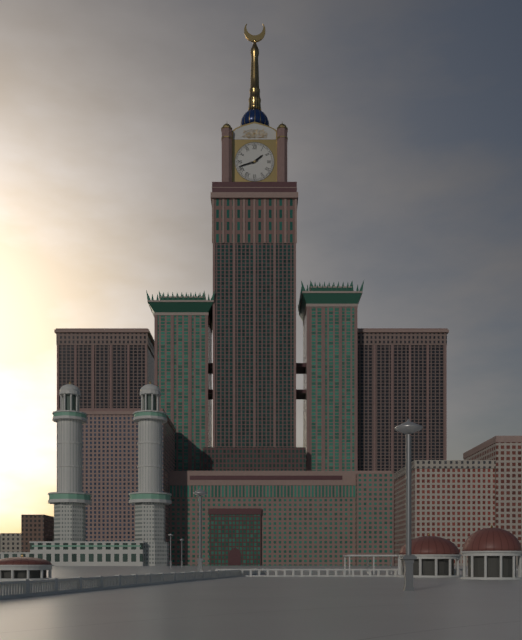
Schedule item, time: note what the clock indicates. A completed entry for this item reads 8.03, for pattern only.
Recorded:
1.42
